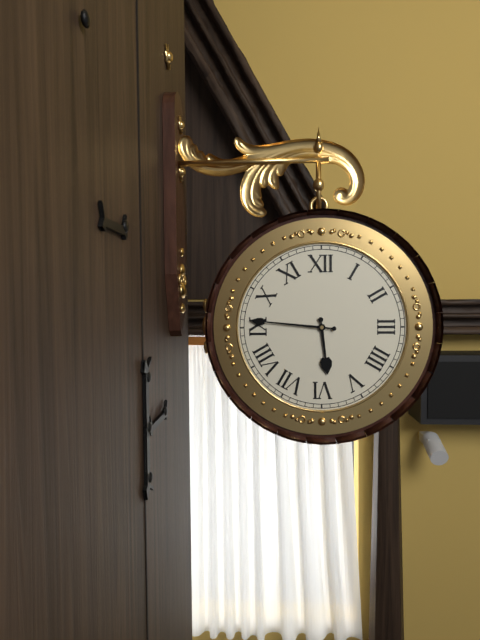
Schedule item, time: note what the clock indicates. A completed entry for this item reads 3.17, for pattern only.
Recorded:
5.46
